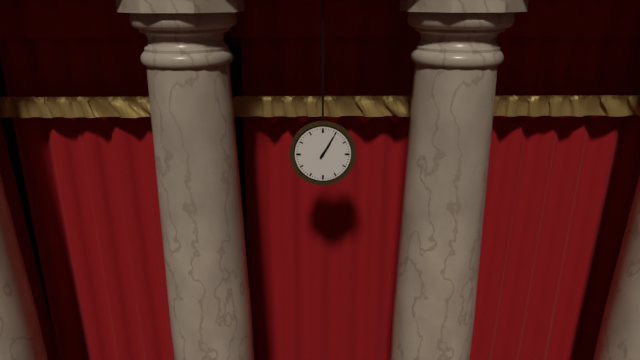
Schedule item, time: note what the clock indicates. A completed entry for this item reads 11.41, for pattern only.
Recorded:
1.05
